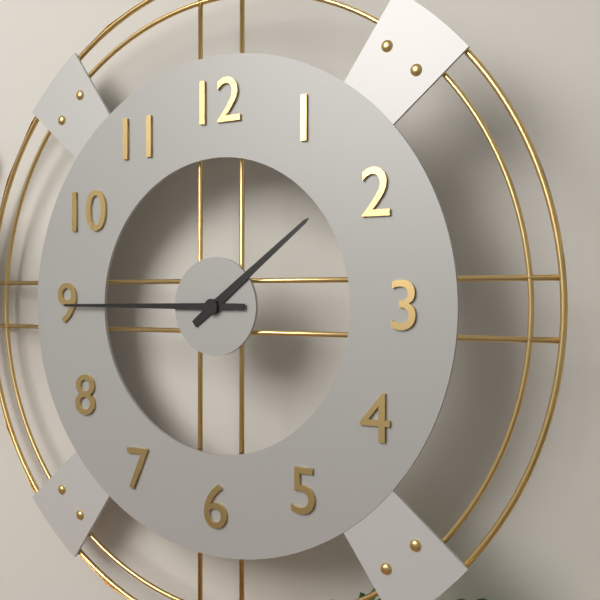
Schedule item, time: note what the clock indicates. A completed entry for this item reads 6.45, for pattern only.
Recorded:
1.45
